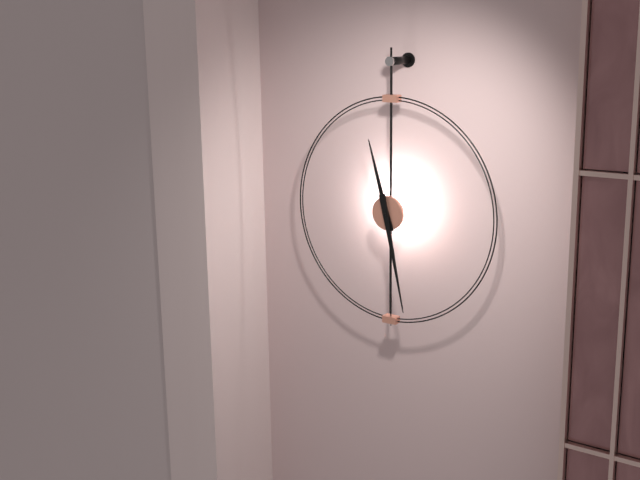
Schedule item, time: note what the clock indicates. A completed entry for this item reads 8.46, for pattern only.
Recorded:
11.28
